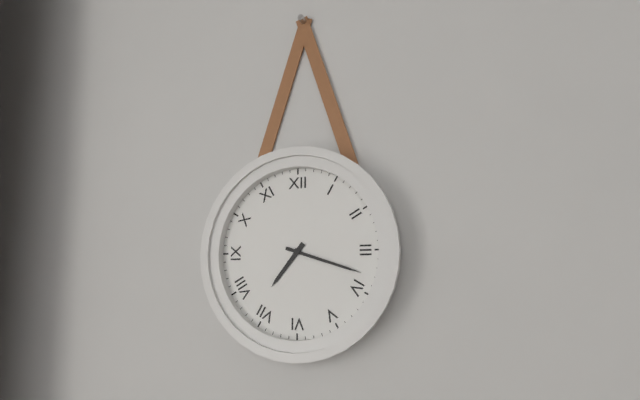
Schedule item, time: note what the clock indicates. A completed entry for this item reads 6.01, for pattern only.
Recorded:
7.18
